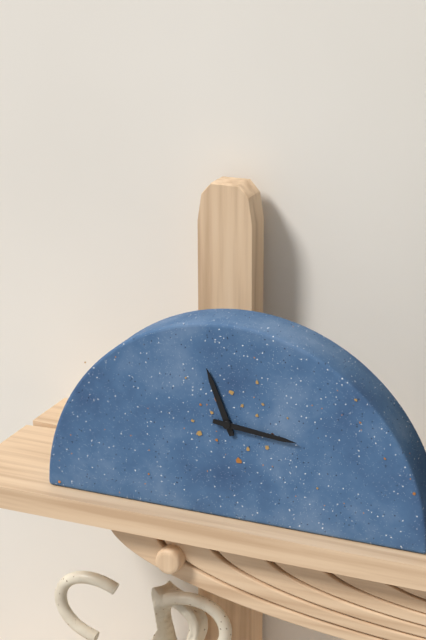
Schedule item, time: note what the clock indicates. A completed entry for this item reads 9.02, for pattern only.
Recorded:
11.16
